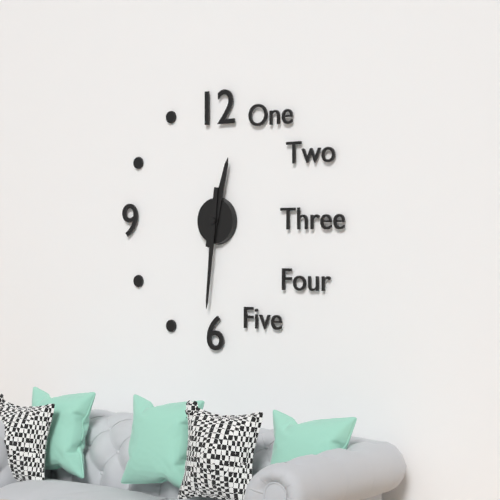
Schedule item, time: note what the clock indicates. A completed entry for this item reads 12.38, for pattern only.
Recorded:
12.31
